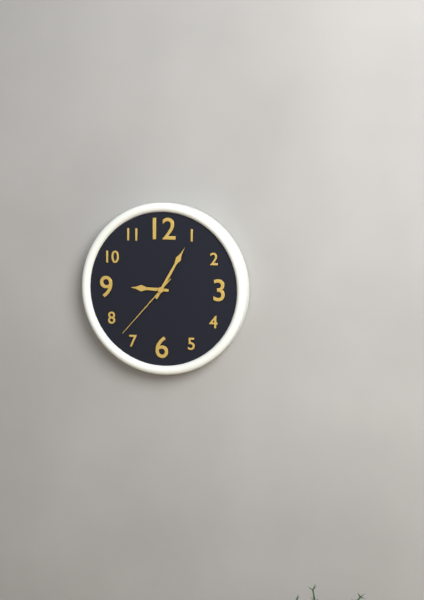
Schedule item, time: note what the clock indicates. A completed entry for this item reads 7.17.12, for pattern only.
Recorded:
9.05.37
